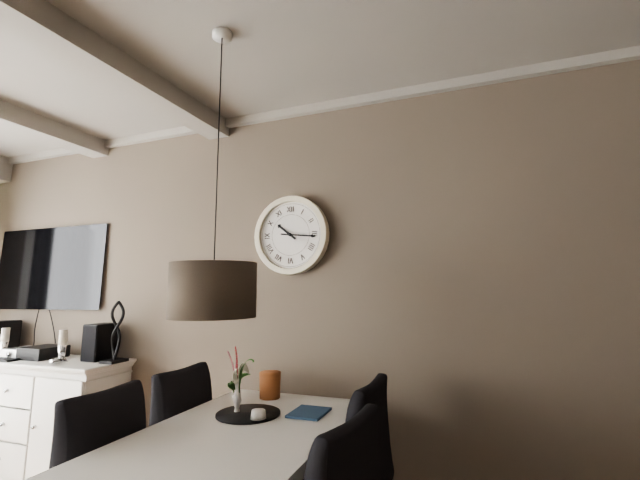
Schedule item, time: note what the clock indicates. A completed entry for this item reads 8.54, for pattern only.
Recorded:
10.16
